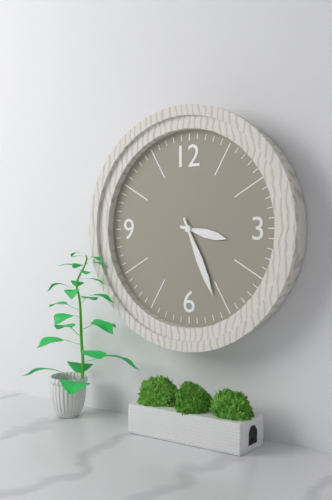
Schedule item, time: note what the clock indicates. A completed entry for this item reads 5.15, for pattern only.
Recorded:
3.26
